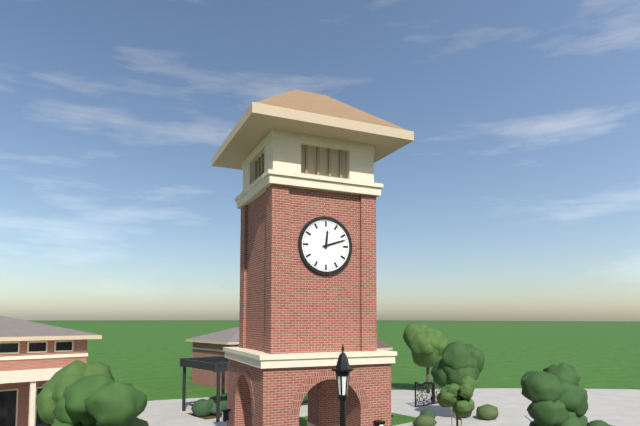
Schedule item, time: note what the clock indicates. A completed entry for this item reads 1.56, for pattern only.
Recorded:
12.12
